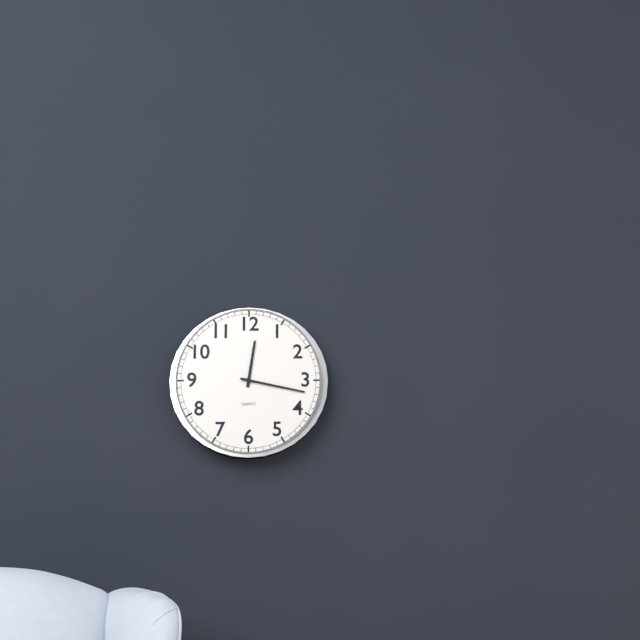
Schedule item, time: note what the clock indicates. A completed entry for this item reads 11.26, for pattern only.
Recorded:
12.17
